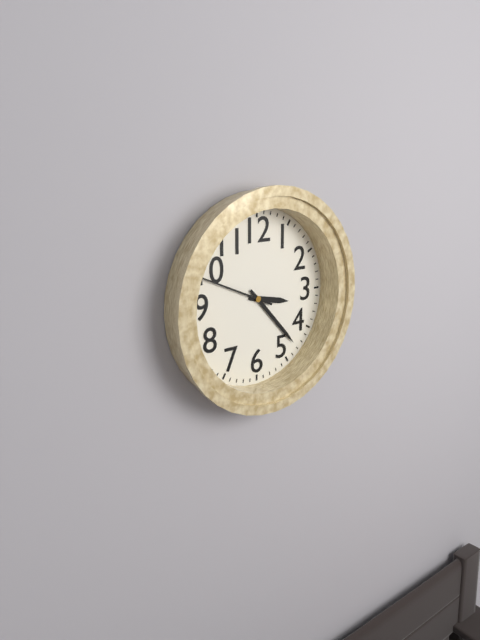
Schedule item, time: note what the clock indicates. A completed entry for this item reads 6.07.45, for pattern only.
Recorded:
3.23.49
